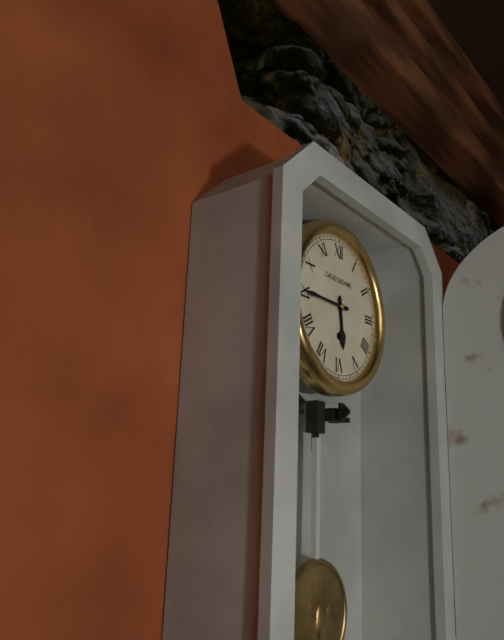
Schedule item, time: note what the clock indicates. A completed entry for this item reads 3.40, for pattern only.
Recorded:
5.45
